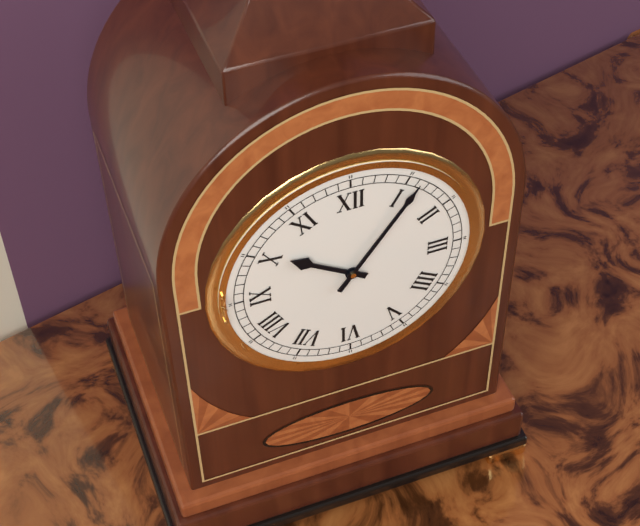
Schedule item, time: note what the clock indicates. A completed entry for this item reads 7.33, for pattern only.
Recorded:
10.06
